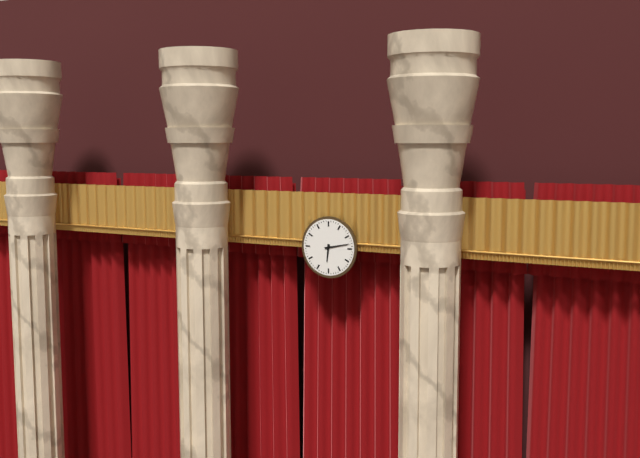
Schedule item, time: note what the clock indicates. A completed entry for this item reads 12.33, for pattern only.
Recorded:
6.13
